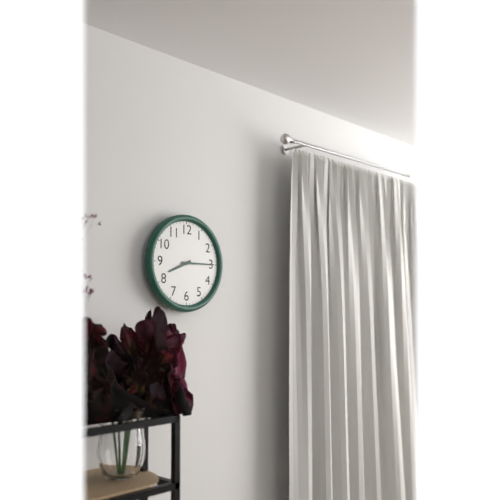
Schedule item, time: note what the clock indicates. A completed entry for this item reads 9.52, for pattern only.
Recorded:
8.15
